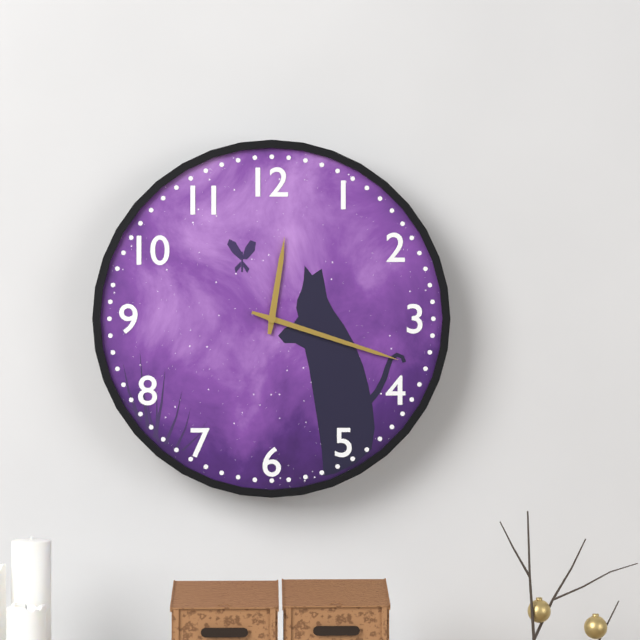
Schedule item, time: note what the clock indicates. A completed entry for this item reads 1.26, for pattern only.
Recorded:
12.18
